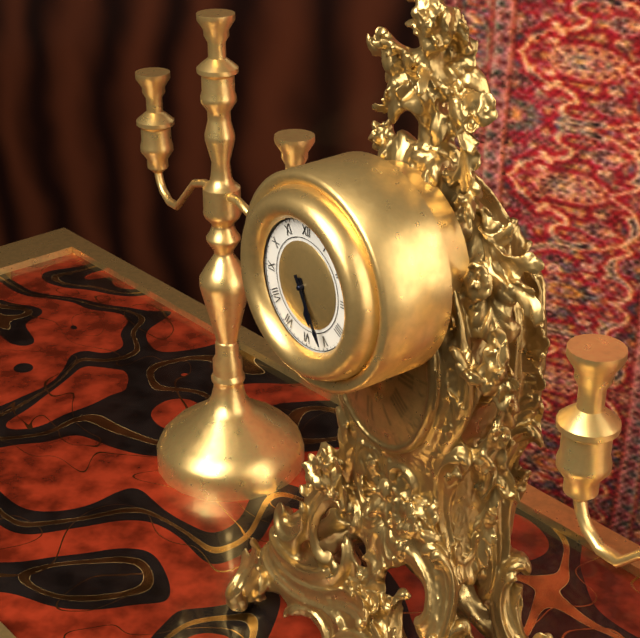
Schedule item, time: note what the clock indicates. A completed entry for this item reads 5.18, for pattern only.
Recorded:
5.25
